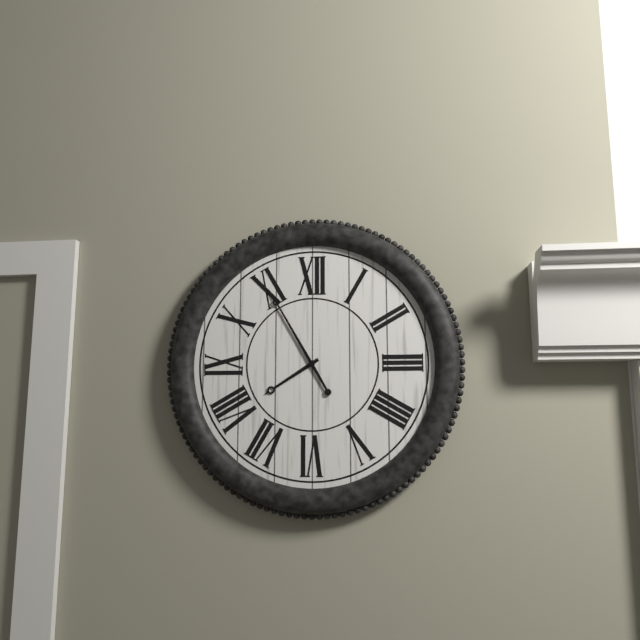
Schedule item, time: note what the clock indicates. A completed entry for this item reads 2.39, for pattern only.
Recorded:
7.55
